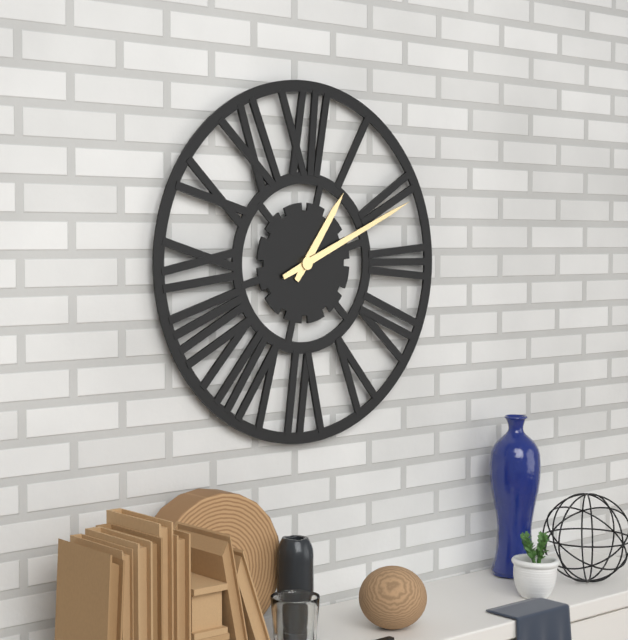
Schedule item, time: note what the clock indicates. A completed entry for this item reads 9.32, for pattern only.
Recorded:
1.11
